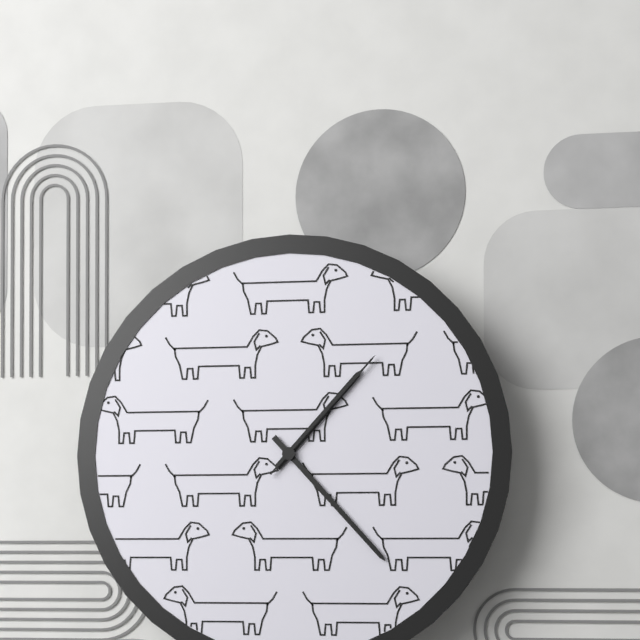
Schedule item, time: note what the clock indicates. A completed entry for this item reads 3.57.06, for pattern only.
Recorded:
1.23.07
